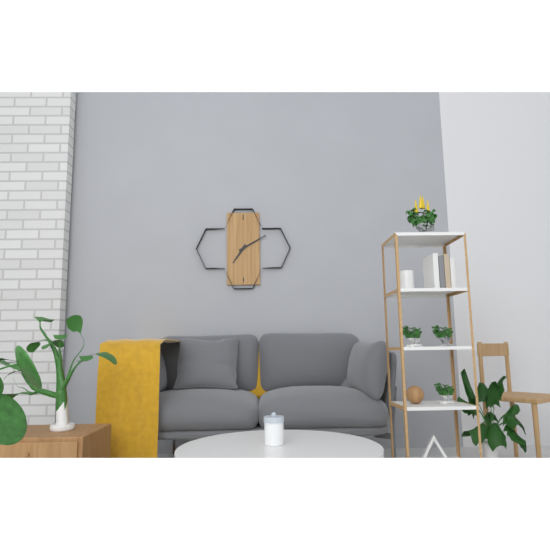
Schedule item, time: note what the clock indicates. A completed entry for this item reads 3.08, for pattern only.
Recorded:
7.10
